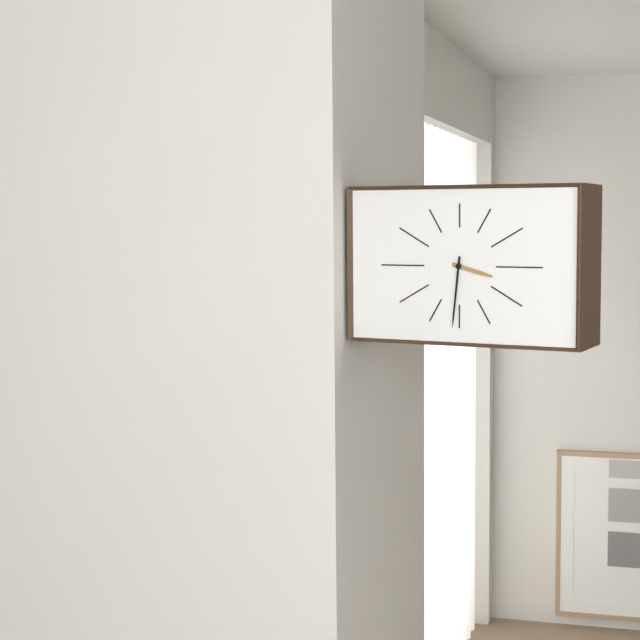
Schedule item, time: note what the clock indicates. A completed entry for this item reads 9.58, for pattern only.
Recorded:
3.31
